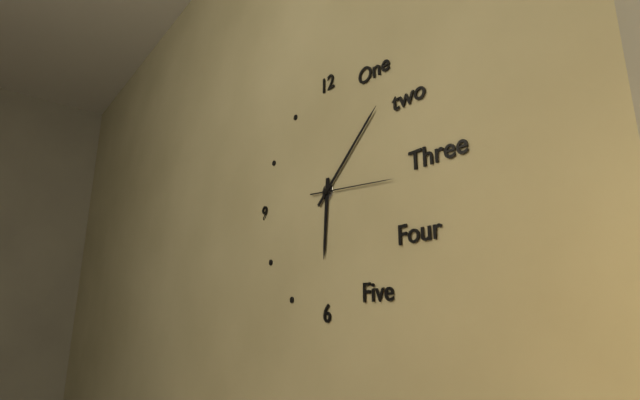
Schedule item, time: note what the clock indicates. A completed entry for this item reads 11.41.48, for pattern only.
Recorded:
6.08.16
